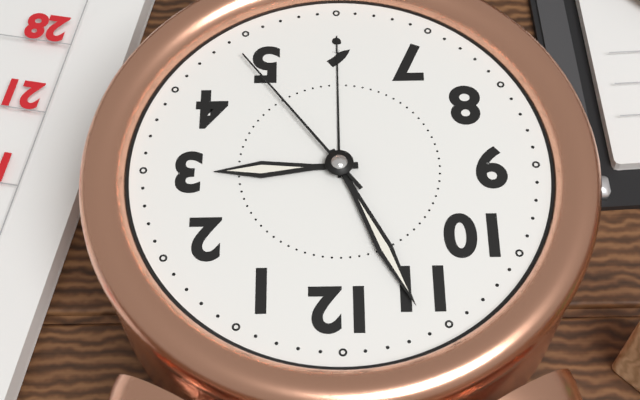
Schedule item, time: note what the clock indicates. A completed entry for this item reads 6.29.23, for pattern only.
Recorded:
2.56.24
